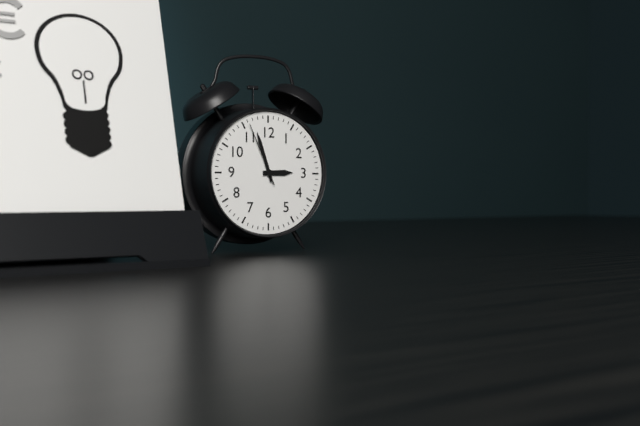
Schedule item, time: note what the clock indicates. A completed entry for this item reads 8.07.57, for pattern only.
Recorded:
2.57.56
